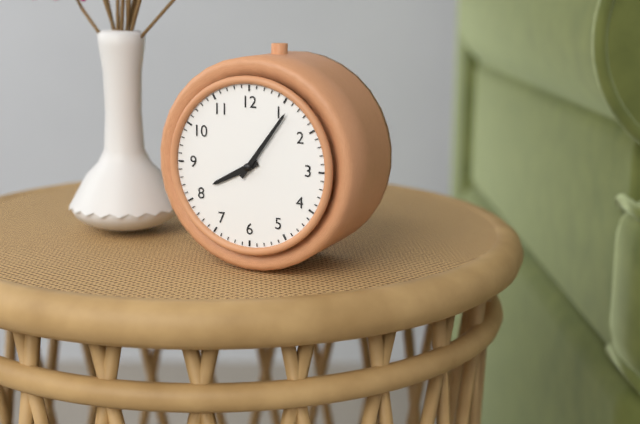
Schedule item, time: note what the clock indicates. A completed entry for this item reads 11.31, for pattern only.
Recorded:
8.06
